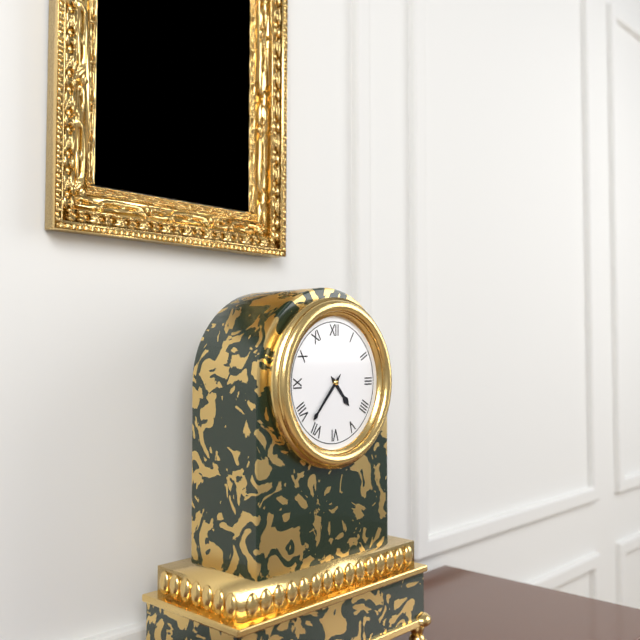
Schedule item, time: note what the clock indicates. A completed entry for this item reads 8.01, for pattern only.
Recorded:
4.37
